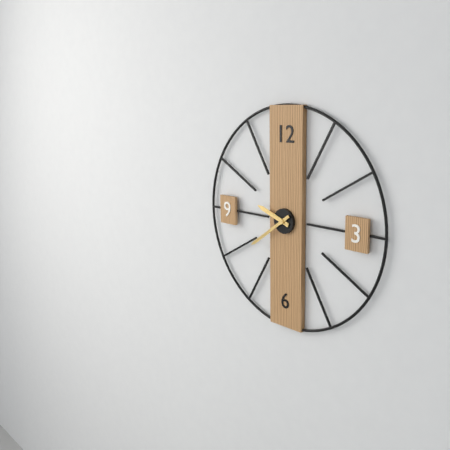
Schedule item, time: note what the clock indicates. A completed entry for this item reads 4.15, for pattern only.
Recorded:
9.39
